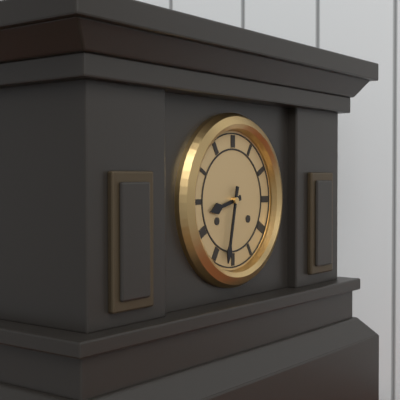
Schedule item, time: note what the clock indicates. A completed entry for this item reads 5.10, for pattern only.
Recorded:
8.32
